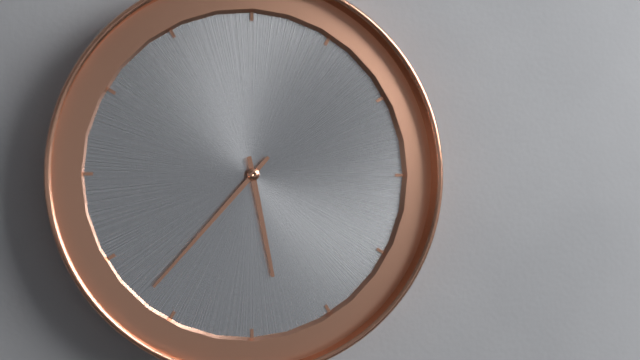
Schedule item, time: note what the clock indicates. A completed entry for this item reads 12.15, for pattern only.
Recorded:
5.37
